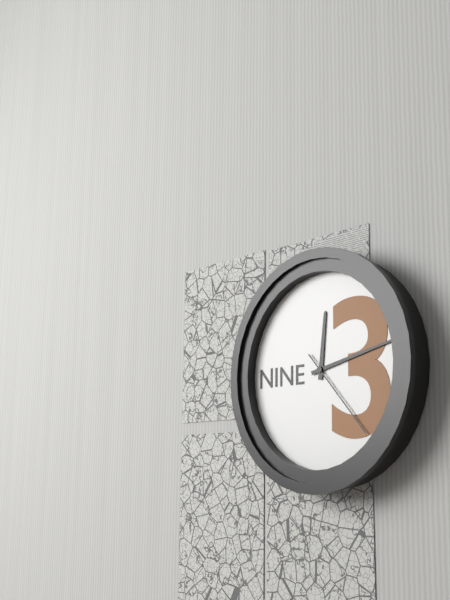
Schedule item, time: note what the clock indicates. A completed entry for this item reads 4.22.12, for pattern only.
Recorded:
12.13.23
